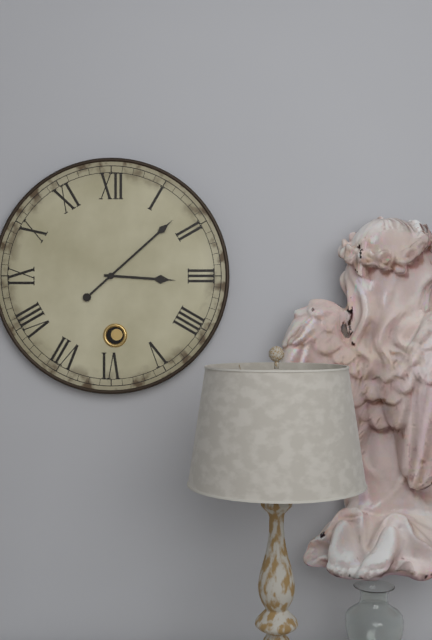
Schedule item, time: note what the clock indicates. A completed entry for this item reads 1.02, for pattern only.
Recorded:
3.08
